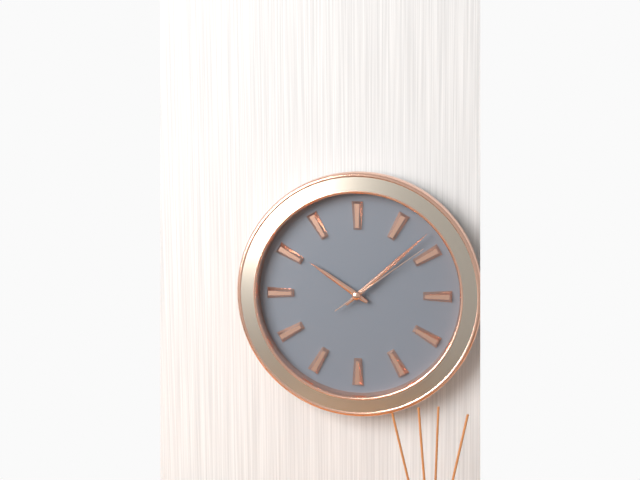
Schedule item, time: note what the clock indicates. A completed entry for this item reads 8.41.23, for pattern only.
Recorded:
10.08.09
